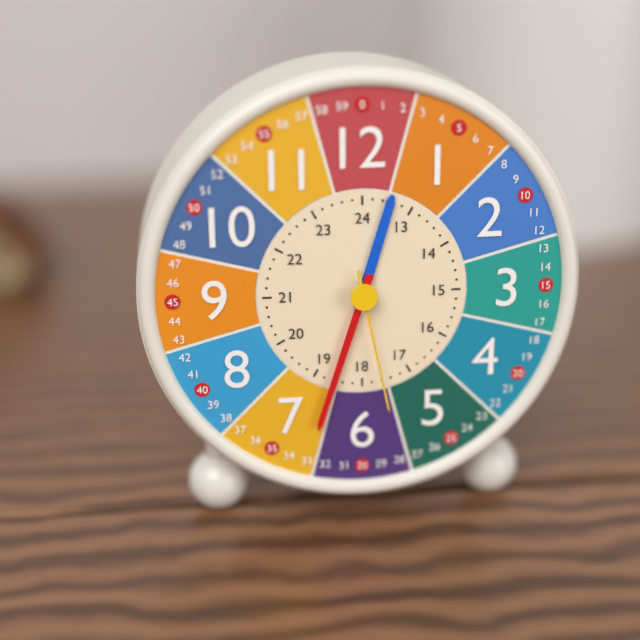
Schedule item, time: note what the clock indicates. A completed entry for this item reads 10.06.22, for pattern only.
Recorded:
12.33.28
